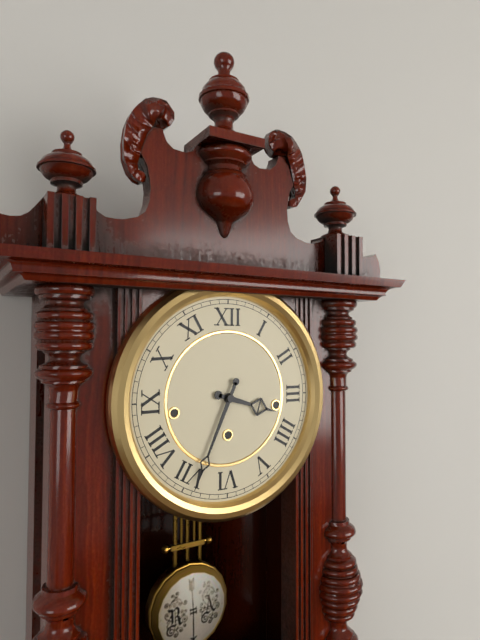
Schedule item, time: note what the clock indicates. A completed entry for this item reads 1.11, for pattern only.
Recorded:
3.34
